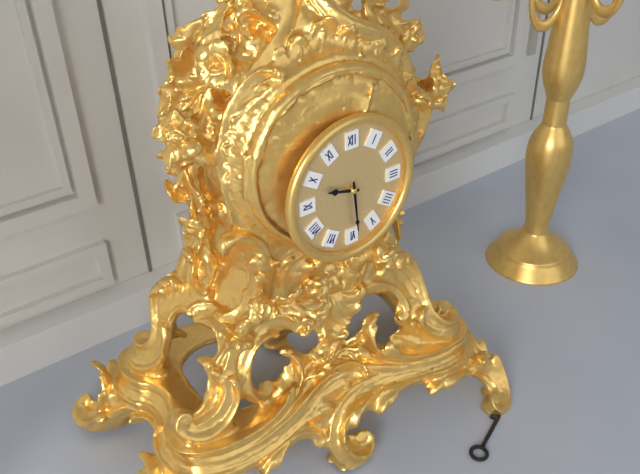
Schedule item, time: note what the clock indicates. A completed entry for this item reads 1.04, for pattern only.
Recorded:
9.29
